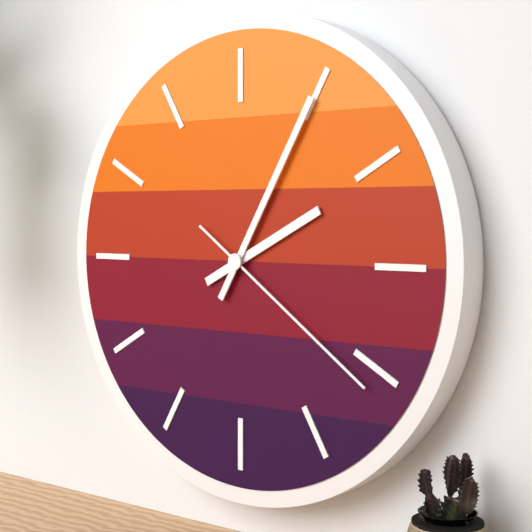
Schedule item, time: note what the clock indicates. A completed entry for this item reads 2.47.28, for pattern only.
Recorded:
2.05.21
